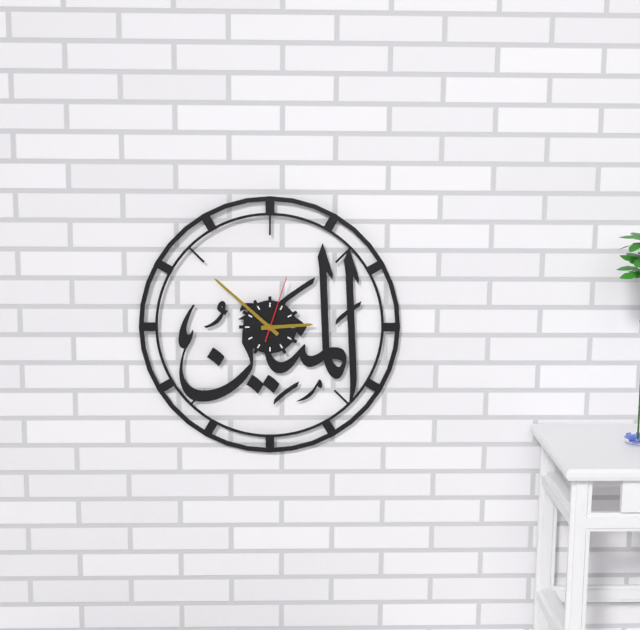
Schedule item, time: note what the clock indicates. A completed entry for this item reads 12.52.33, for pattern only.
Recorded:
2.52.03
